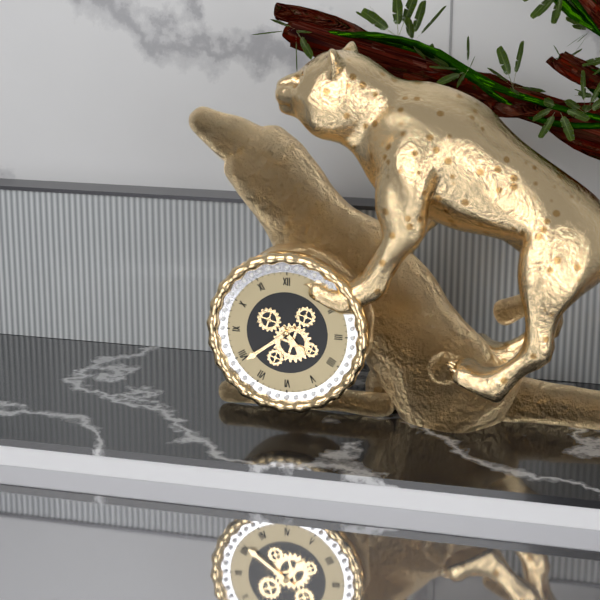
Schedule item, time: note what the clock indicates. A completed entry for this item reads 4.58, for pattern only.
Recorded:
4.39
